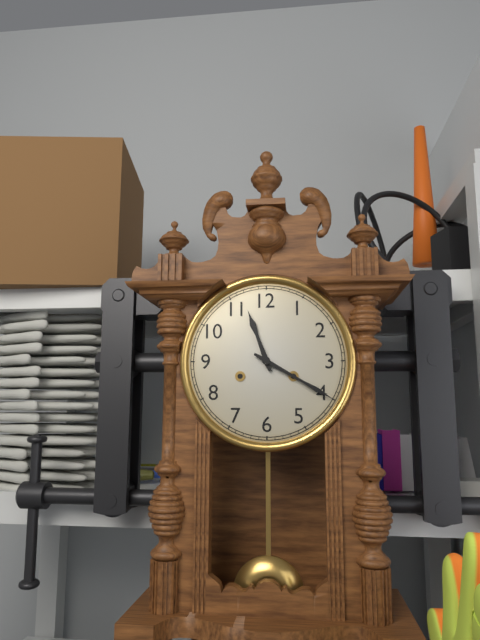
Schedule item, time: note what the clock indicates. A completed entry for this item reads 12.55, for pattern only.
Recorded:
11.20
